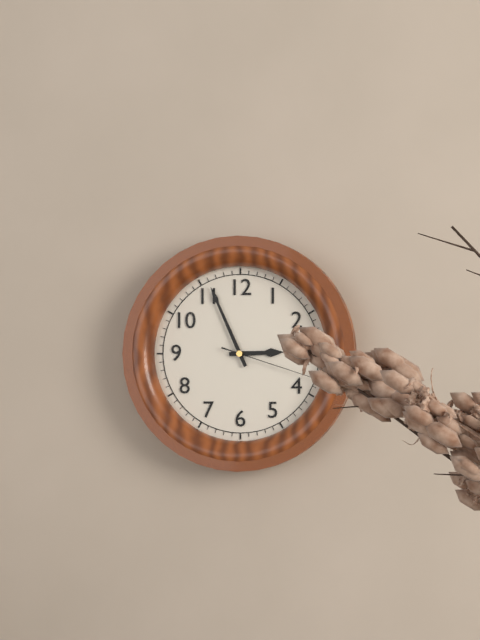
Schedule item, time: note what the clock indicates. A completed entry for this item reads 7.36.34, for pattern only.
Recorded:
2.56.18
